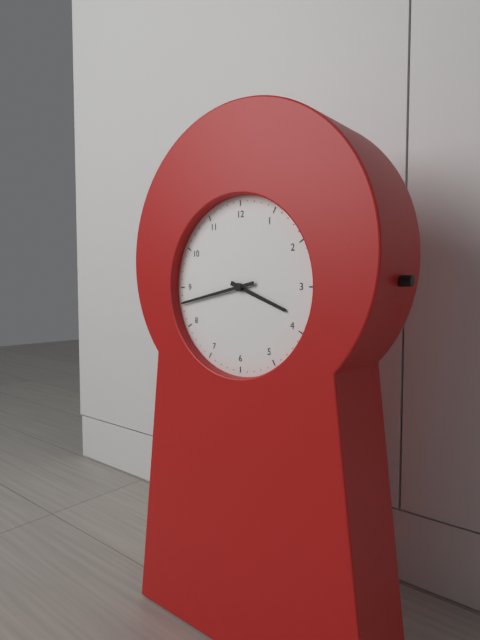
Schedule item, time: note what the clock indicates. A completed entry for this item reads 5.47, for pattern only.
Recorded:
3.43
